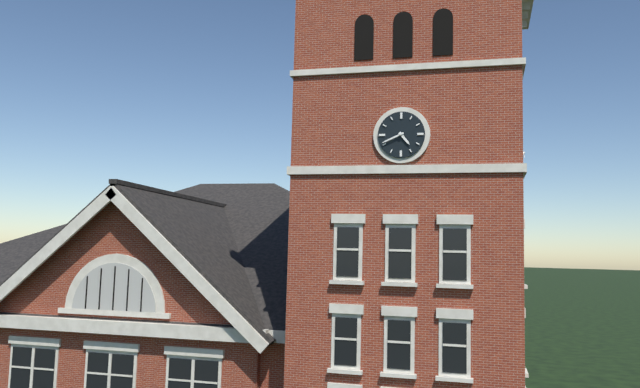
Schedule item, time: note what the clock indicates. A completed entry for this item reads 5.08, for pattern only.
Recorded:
4.41
